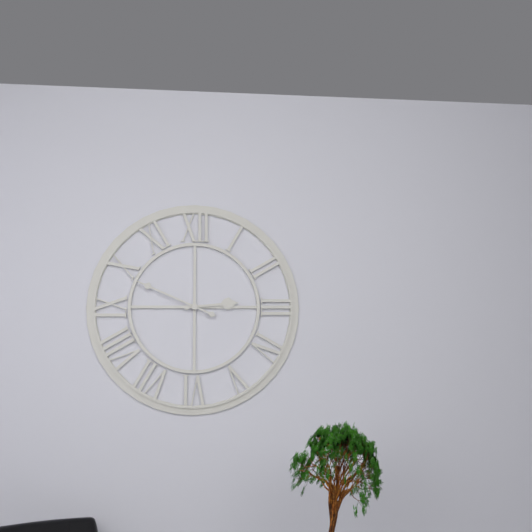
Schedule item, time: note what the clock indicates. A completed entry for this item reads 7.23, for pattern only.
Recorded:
2.49
